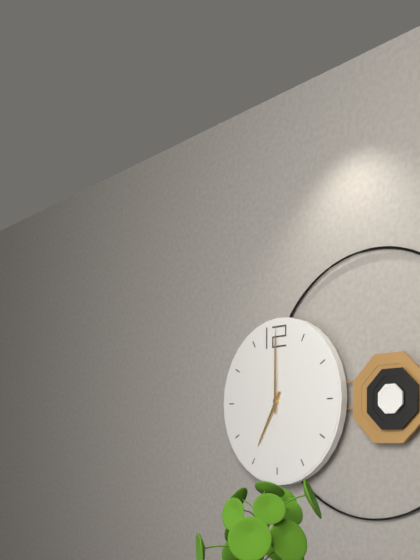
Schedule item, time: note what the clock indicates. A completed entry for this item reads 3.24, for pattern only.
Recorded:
7.00
